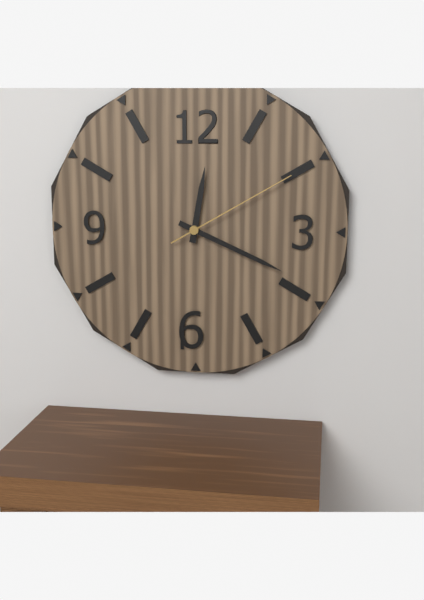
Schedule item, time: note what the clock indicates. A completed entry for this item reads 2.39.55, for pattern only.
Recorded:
12.19.10
